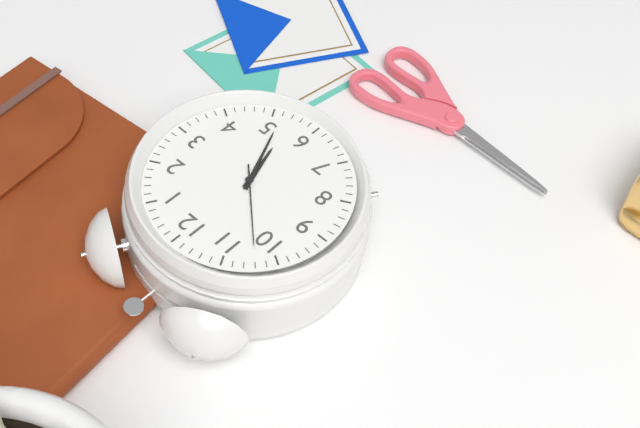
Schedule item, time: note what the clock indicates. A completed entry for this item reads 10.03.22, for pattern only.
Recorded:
5.26.52
